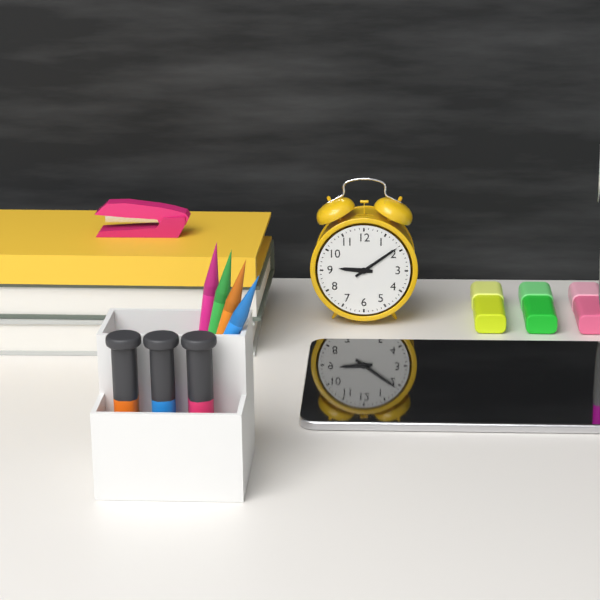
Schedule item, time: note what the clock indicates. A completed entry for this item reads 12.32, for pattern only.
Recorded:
9.09
